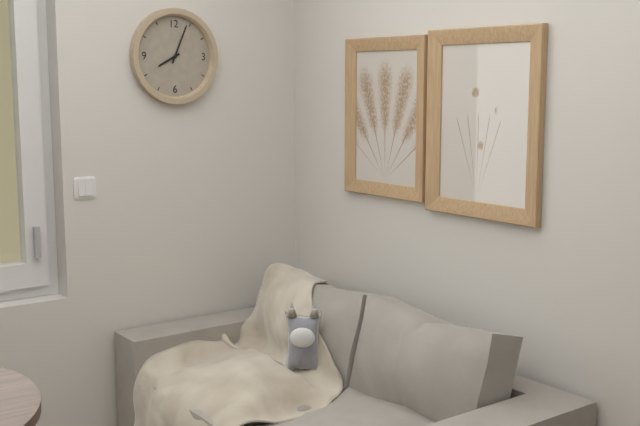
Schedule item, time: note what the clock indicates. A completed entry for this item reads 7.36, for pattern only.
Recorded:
8.04
